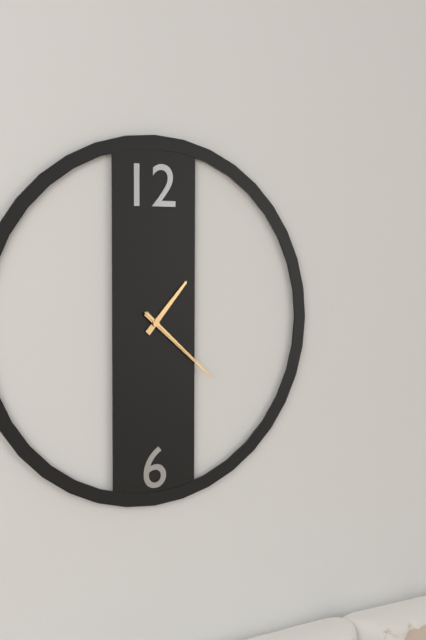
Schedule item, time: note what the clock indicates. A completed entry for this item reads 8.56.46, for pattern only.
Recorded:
1.22.22
